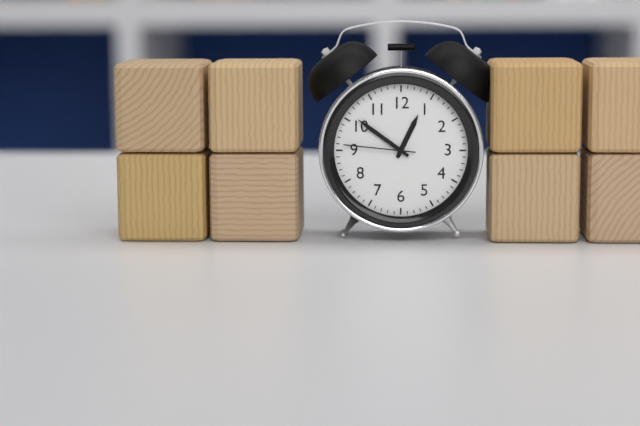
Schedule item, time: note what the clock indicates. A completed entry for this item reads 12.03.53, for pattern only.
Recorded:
12.51.46
